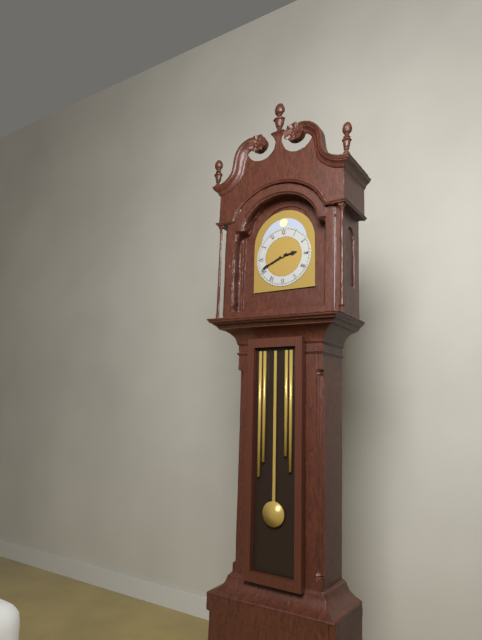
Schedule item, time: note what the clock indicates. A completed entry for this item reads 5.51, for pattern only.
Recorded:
2.41
